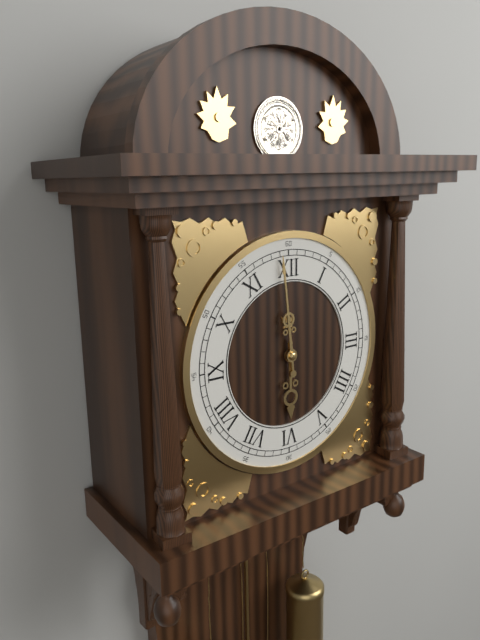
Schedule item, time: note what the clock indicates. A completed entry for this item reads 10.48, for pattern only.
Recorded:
5.59
